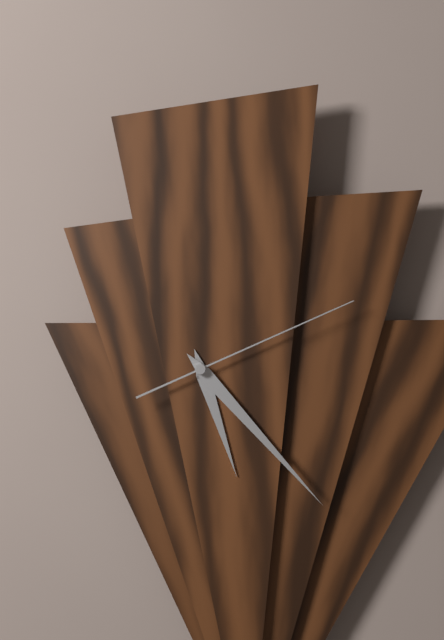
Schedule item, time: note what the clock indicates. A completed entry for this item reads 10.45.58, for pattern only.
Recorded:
5.23.11
